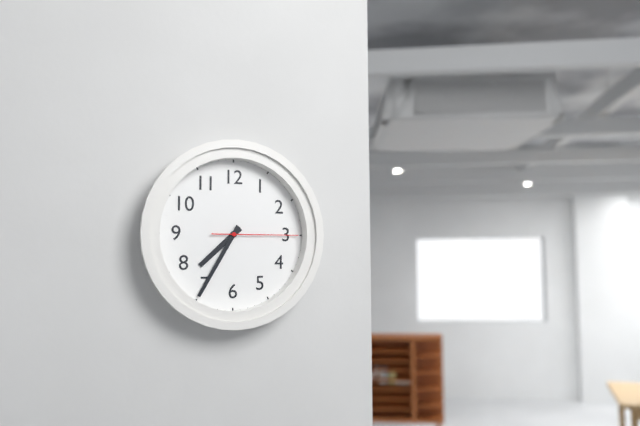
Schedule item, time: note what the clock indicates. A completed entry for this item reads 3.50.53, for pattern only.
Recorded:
7.35.15
